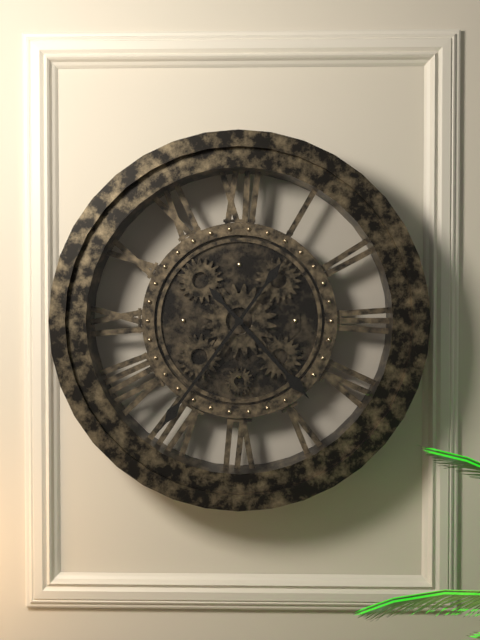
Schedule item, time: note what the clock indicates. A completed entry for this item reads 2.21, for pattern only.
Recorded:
4.36
